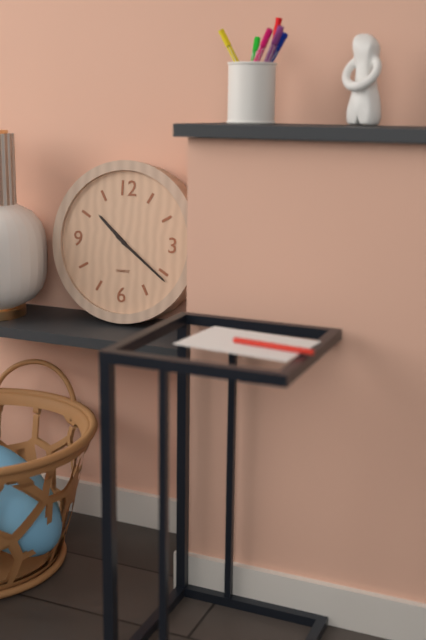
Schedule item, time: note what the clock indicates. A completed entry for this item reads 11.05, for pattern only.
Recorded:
10.21
